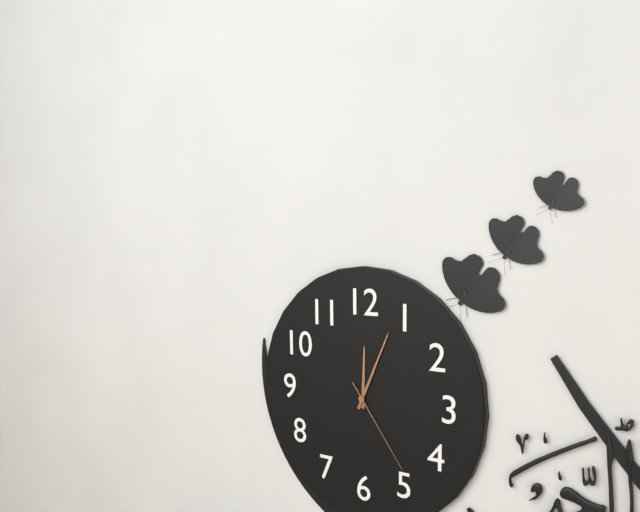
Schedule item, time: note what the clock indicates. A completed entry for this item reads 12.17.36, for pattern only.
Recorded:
12.04.24
